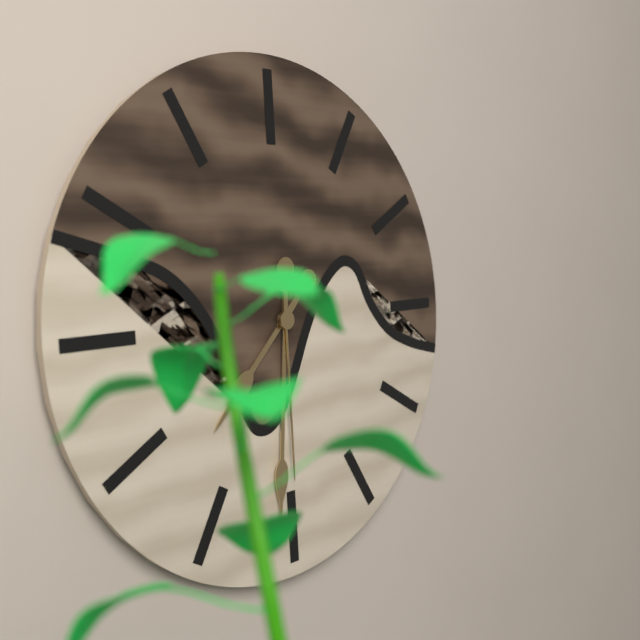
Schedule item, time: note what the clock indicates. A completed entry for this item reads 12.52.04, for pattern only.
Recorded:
7.31.30
